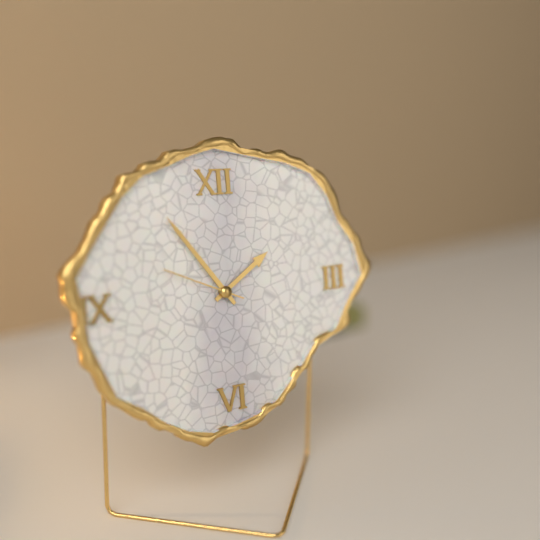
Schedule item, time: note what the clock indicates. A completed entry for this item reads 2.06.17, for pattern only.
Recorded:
1.54.49
